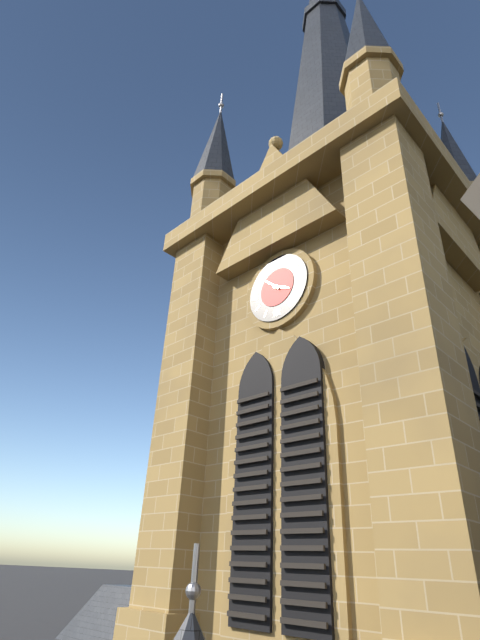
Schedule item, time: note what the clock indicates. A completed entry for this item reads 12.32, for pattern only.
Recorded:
3.52
